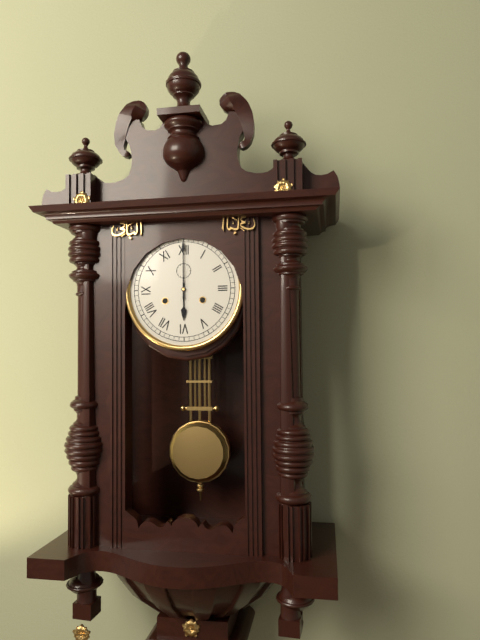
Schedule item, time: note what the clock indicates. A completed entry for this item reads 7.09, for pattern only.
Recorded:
6.00
